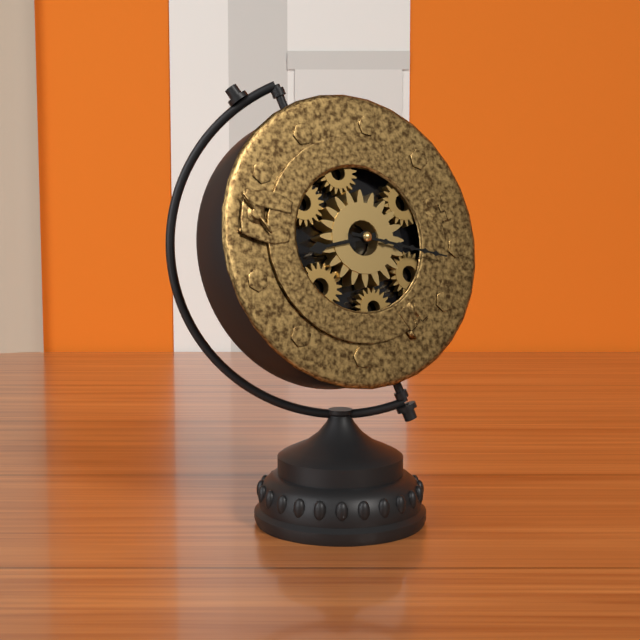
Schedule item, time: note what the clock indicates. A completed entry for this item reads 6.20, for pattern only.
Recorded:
8.15
